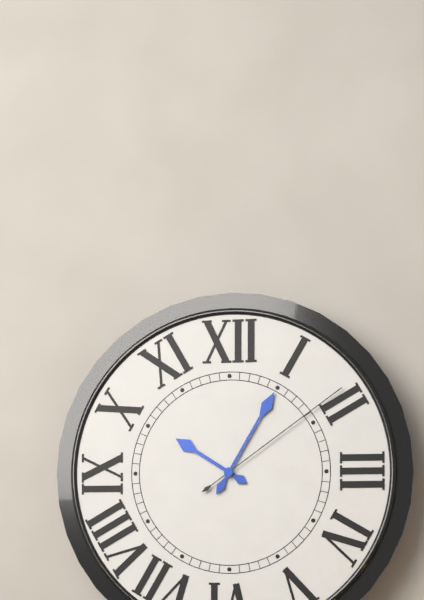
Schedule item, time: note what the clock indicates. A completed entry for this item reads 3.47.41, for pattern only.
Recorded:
10.05.09
